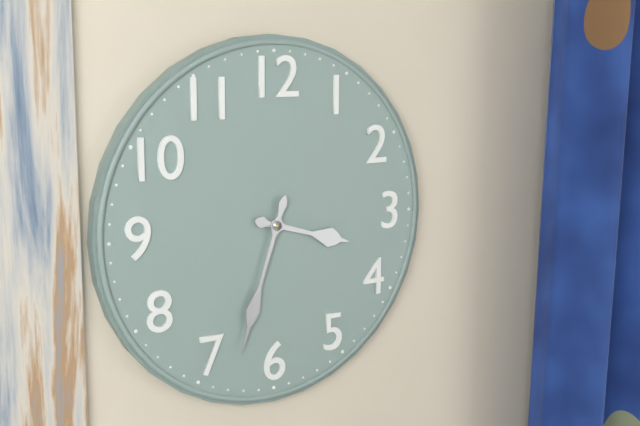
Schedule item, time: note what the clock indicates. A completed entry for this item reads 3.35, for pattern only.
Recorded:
3.33
